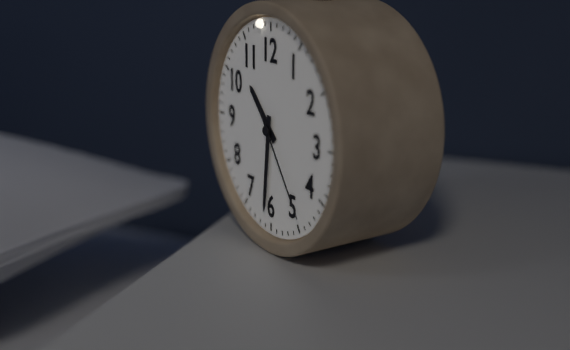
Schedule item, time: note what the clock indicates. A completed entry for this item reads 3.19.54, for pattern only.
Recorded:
10.31.24
